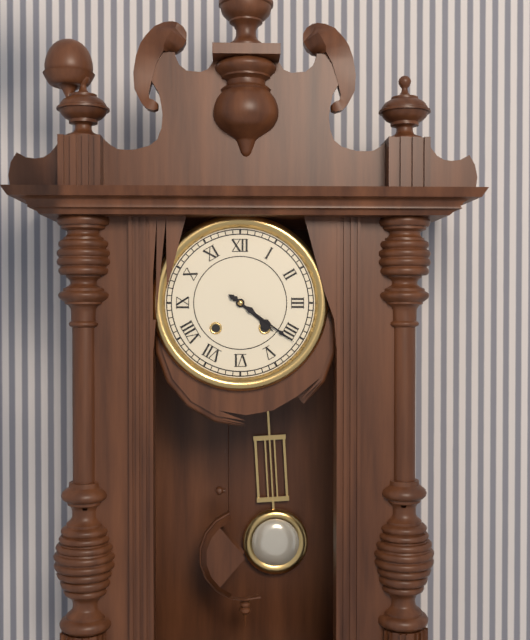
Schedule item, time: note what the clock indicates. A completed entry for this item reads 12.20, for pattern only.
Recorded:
4.21
